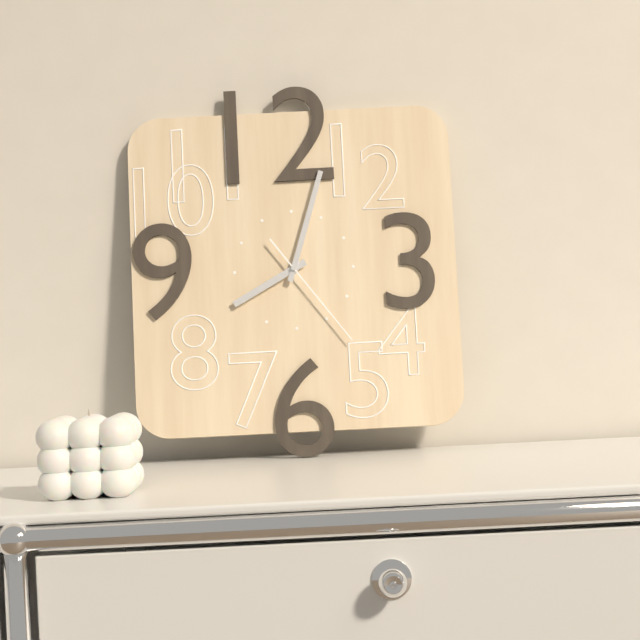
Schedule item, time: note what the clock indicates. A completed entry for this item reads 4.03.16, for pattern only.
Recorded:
8.03.24
